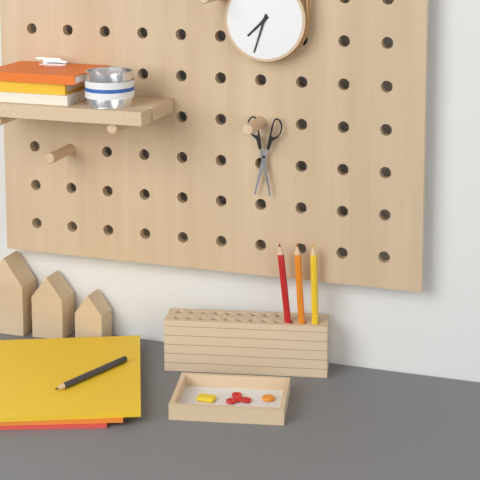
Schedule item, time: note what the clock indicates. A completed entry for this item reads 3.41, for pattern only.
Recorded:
7.33
